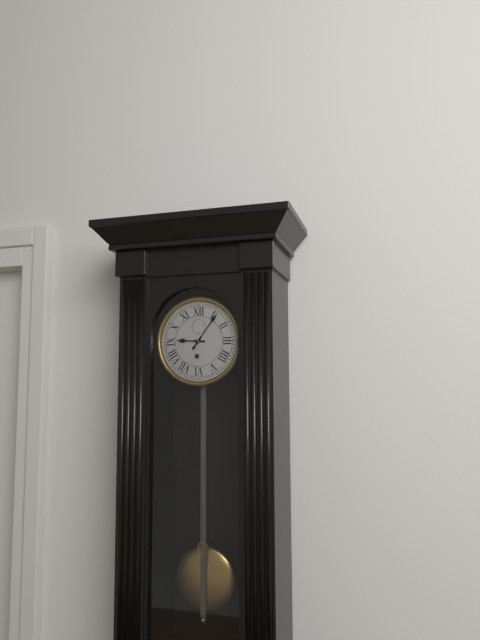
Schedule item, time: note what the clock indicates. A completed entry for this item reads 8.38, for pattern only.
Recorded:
9.06
